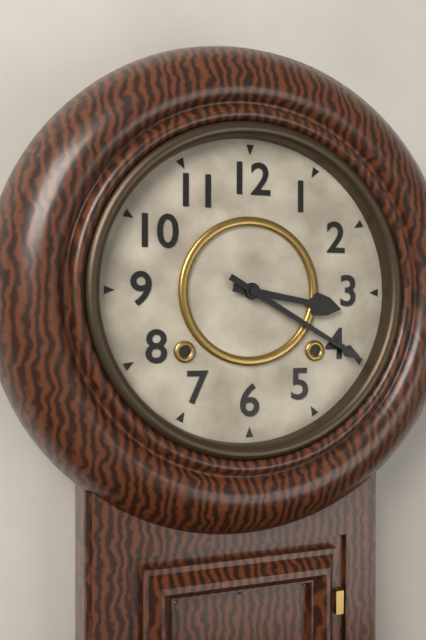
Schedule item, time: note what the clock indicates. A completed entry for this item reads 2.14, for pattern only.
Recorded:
3.20
